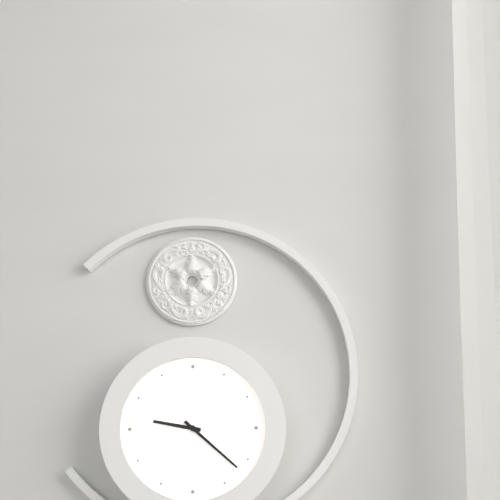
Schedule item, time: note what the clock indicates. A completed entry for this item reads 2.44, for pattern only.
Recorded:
9.22
